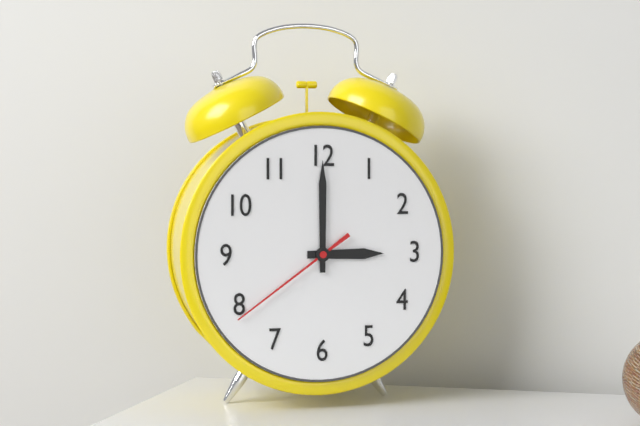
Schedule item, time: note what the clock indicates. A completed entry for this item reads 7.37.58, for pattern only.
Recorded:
3.00.39
